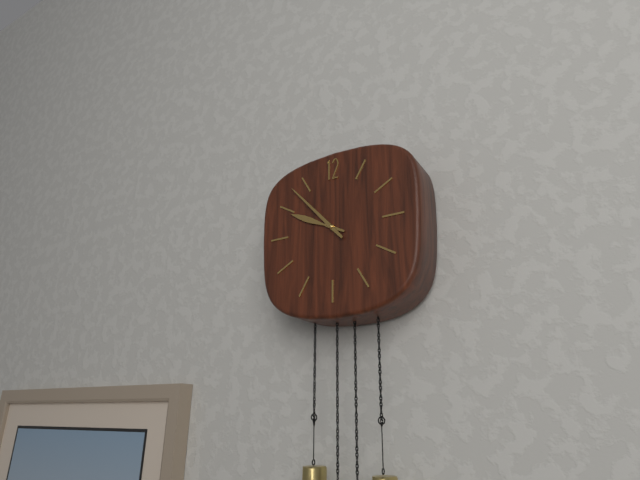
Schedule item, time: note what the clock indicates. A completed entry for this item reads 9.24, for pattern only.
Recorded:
9.53
